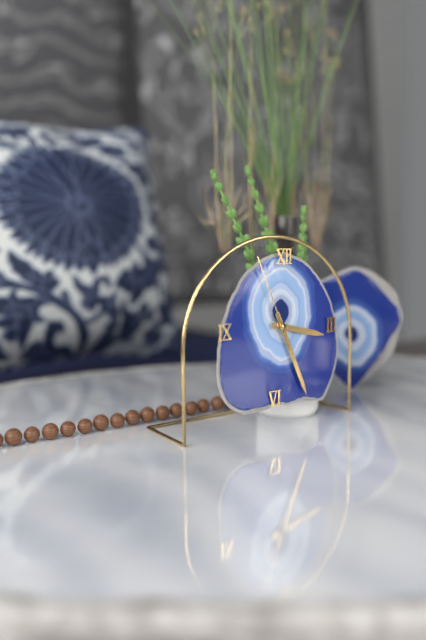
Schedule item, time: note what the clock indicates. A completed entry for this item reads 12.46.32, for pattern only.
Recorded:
3.26.56
